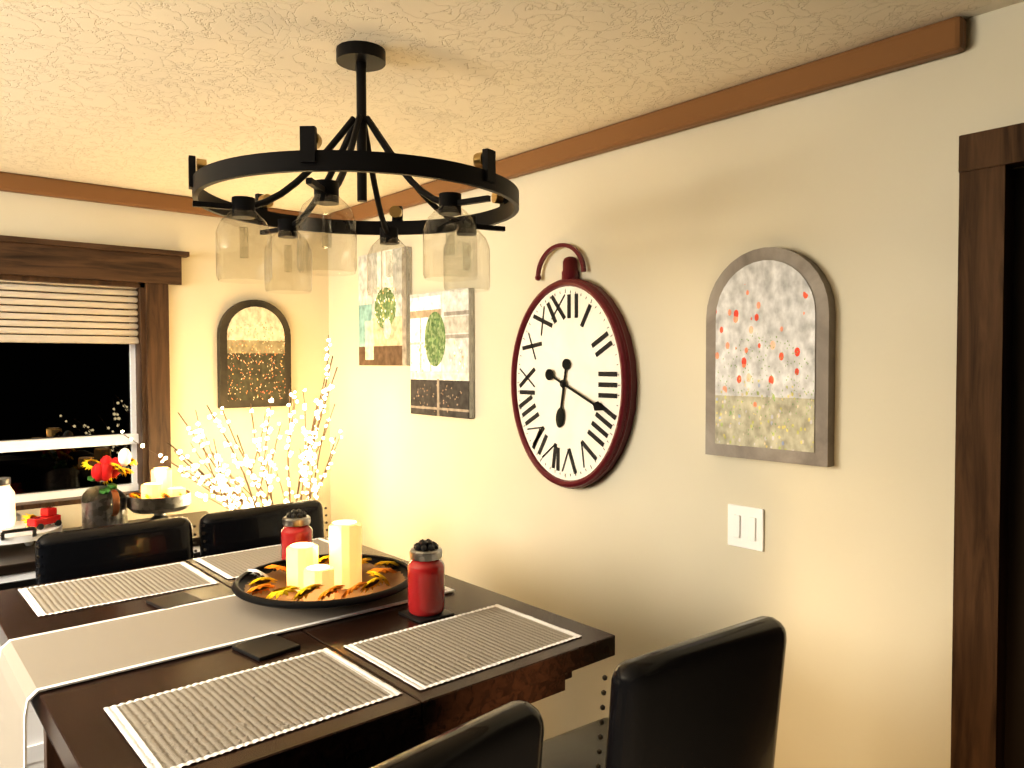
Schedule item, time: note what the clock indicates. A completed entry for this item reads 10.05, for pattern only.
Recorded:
6.19
